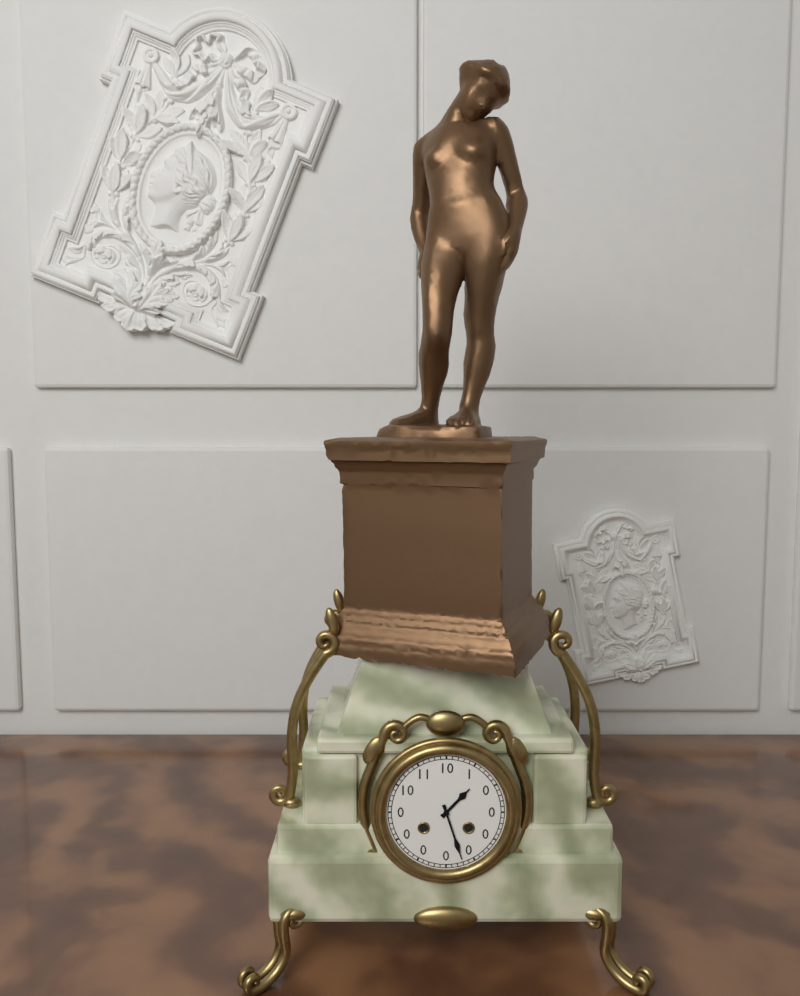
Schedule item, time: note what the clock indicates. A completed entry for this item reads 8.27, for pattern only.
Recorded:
1.27
